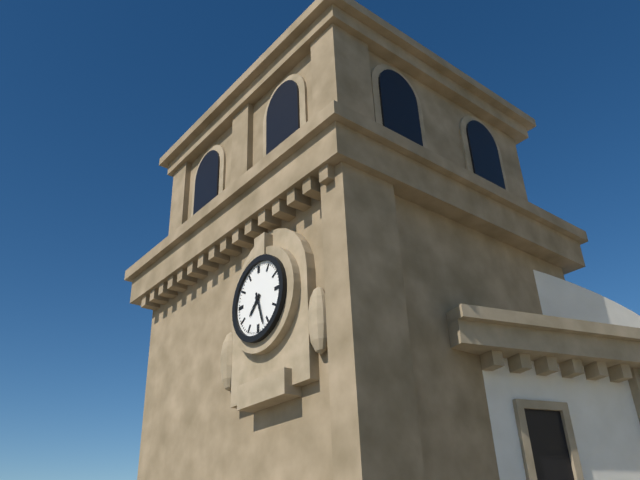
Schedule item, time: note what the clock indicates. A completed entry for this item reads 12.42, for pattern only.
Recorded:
7.27
